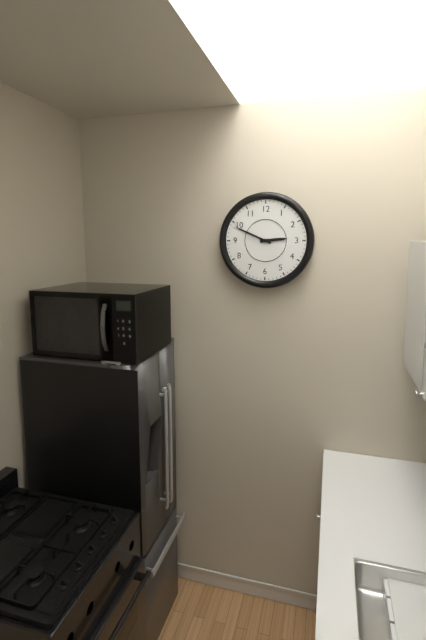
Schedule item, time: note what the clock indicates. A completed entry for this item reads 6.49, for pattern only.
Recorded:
2.49
